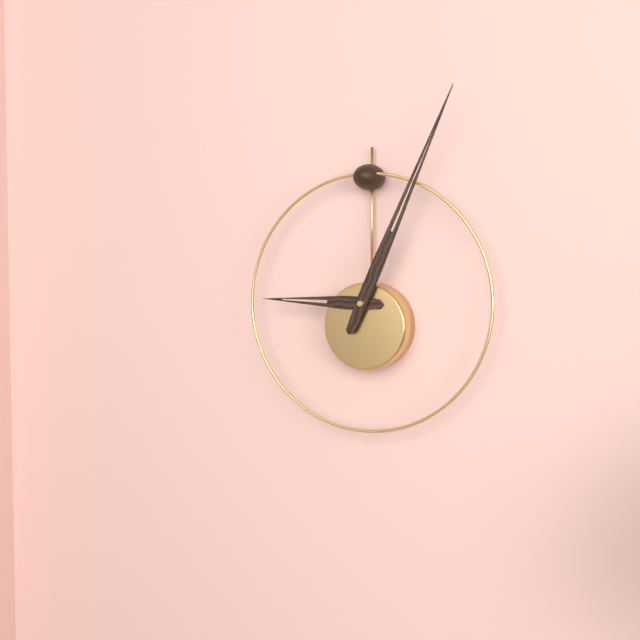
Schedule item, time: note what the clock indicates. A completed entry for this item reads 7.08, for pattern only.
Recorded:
9.04
